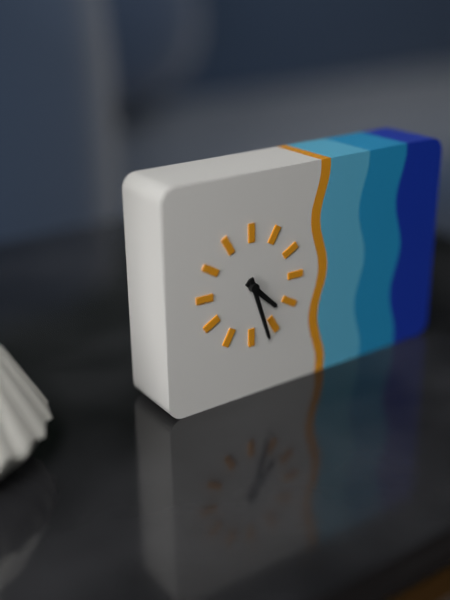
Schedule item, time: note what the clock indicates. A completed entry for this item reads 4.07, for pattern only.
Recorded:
4.27
